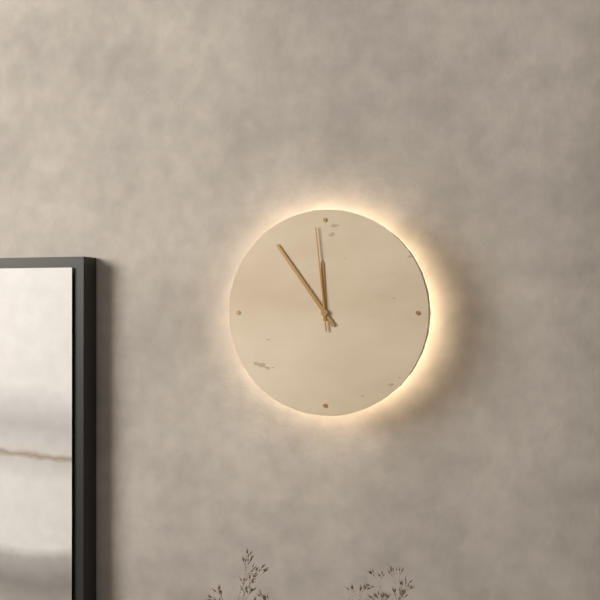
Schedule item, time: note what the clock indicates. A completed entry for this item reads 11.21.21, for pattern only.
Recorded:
11.54.59
